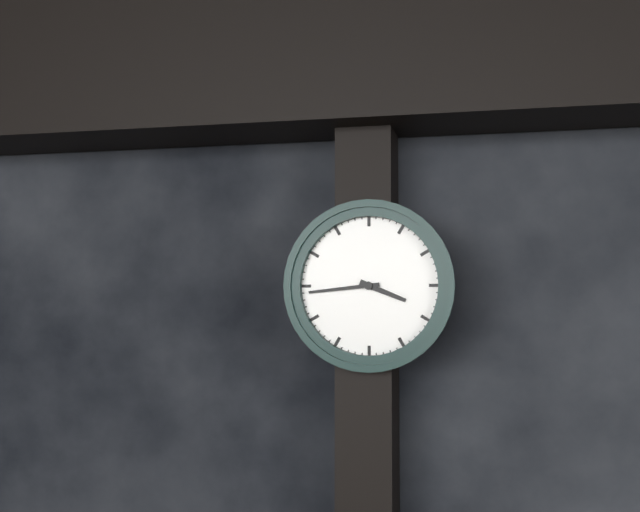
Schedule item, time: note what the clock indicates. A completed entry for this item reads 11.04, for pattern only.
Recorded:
3.44
